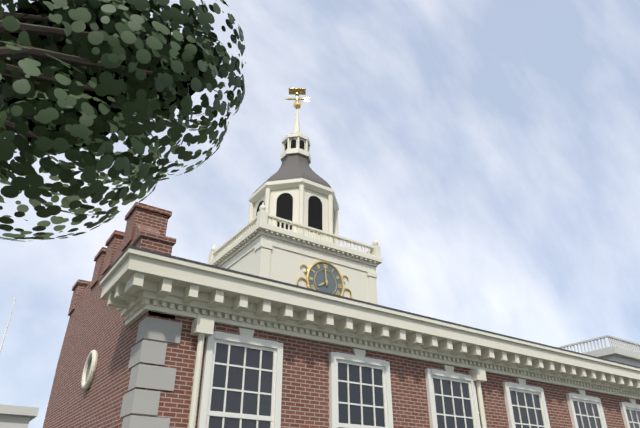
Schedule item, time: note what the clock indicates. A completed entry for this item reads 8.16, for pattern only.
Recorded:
7.59
